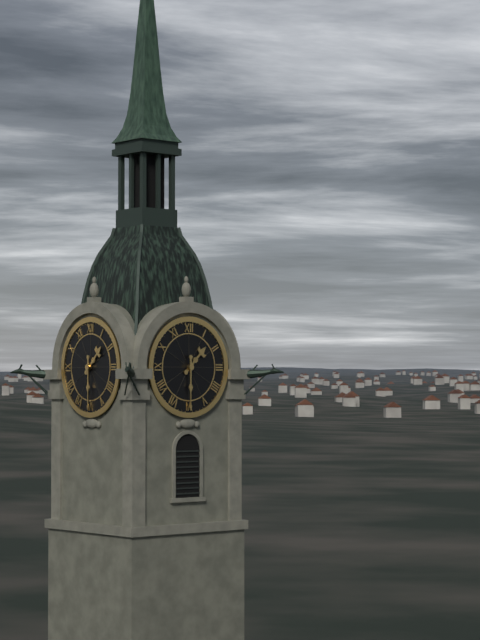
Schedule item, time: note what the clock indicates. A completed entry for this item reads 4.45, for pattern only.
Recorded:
1.30
